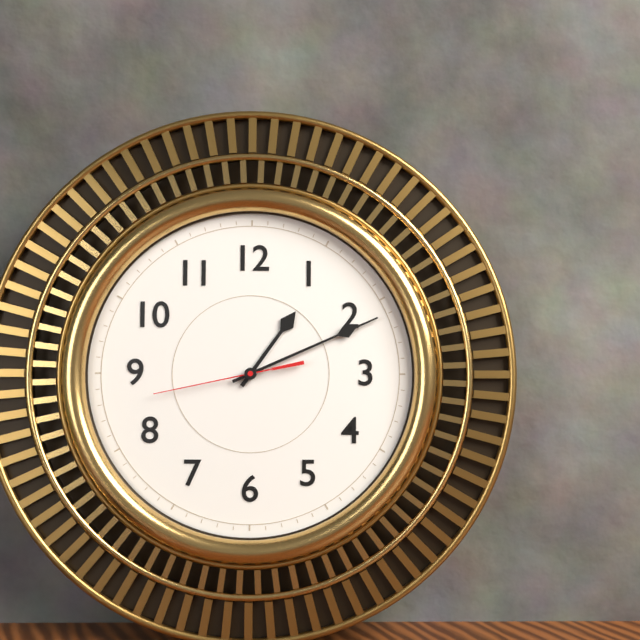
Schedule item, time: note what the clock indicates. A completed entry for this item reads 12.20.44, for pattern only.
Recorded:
1.11.43
